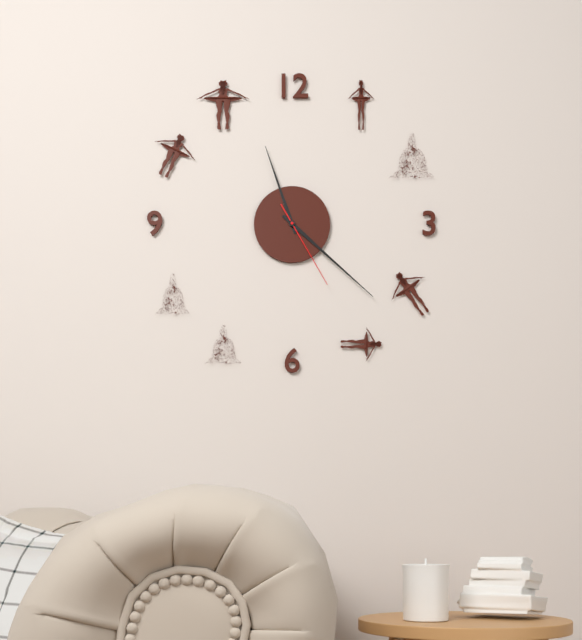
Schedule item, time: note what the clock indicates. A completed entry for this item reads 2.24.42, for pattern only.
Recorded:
11.22.25
